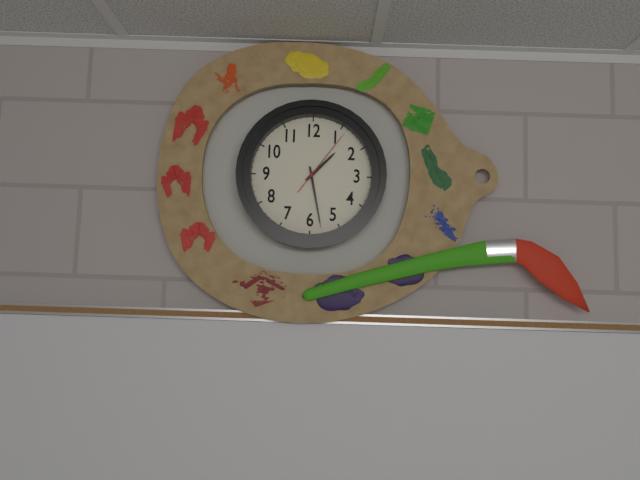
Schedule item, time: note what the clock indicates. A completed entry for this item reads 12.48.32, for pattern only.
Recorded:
1.28.06
